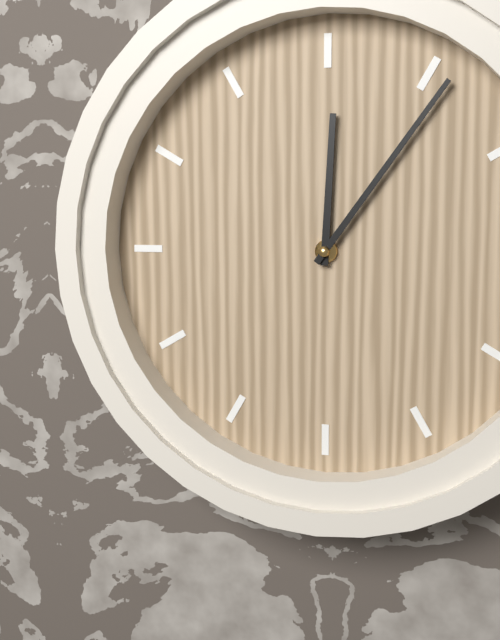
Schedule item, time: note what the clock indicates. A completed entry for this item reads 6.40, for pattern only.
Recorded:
12.06
